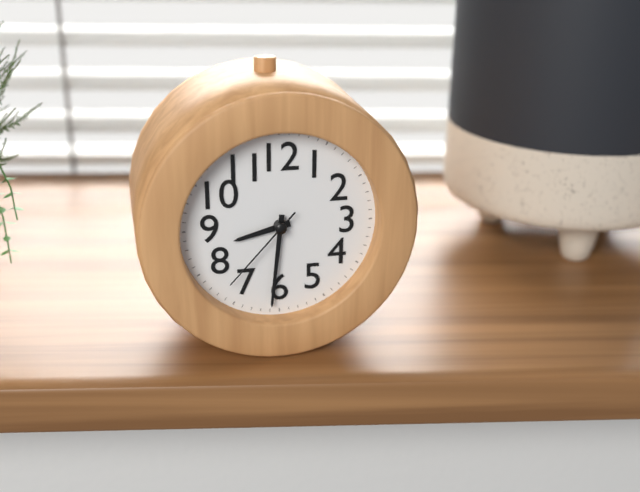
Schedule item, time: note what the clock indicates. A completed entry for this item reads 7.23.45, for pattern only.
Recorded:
8.31.37
